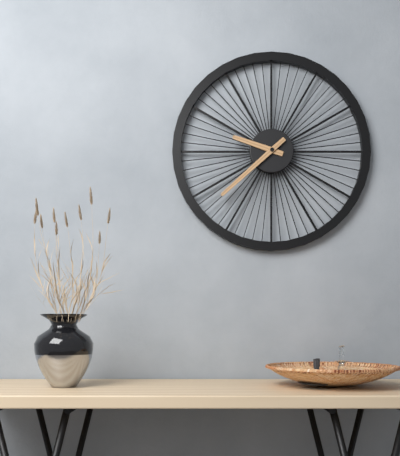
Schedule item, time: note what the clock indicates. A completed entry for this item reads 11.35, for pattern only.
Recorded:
9.38
